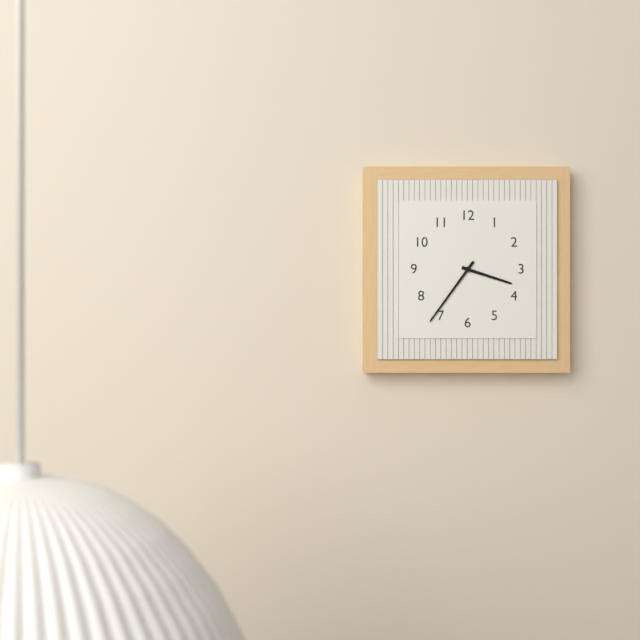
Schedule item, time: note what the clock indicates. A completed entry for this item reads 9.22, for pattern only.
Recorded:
3.36
